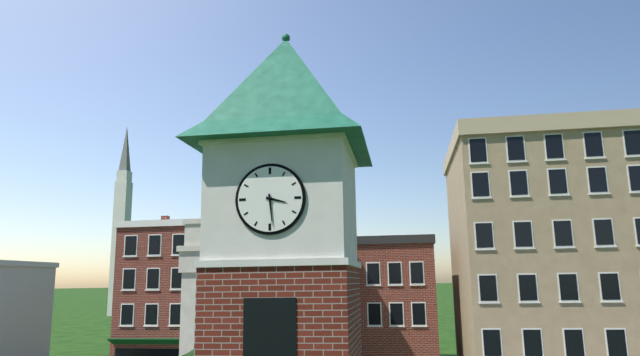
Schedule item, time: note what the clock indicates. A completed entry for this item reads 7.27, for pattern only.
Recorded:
3.29
